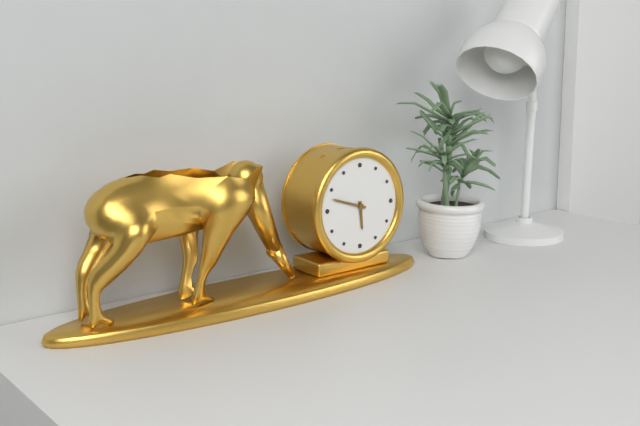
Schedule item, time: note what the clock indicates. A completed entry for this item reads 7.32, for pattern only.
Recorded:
5.48
